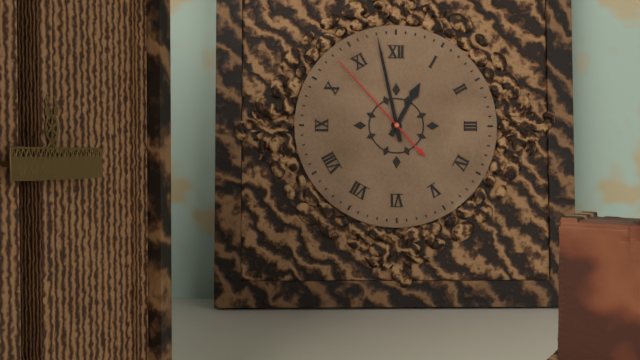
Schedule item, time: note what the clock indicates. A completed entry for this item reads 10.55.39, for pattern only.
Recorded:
12.58.53
